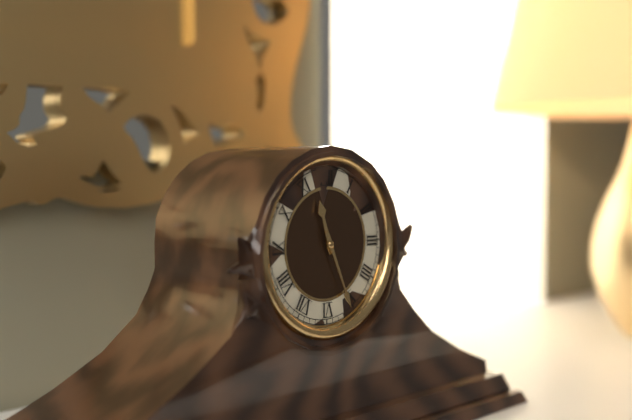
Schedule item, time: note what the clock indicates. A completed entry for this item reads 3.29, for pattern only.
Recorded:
11.26
